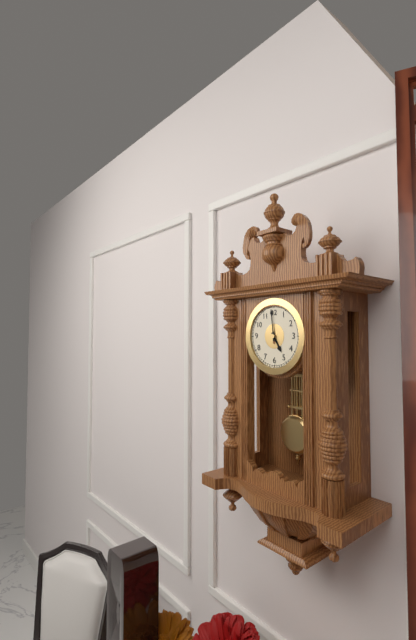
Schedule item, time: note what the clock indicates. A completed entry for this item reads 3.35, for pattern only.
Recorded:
4.59
